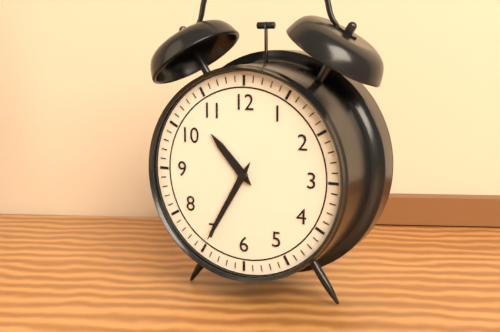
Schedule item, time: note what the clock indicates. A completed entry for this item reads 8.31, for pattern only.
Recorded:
10.35
